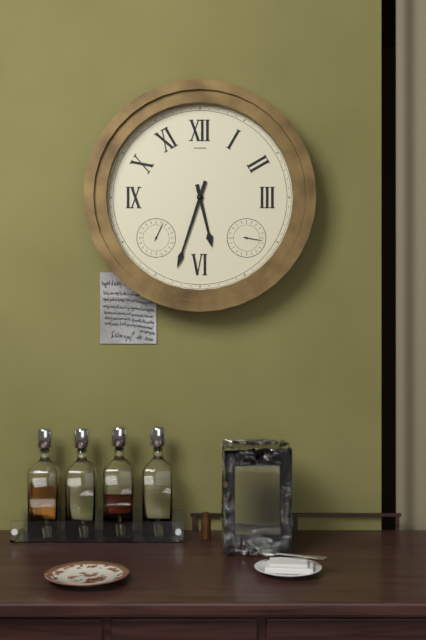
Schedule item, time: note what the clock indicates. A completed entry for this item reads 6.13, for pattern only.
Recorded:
5.33
